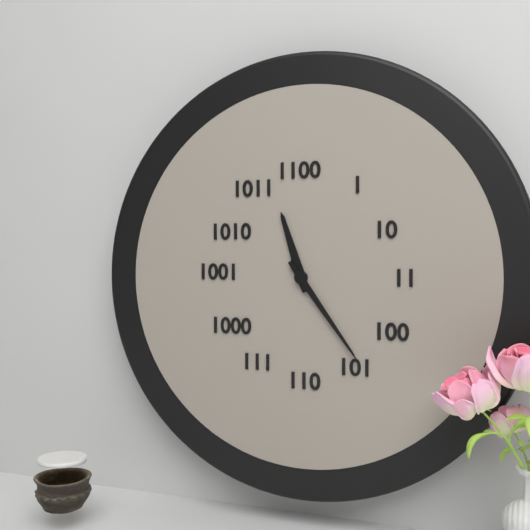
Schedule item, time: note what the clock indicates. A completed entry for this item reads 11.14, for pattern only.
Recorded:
11.24
